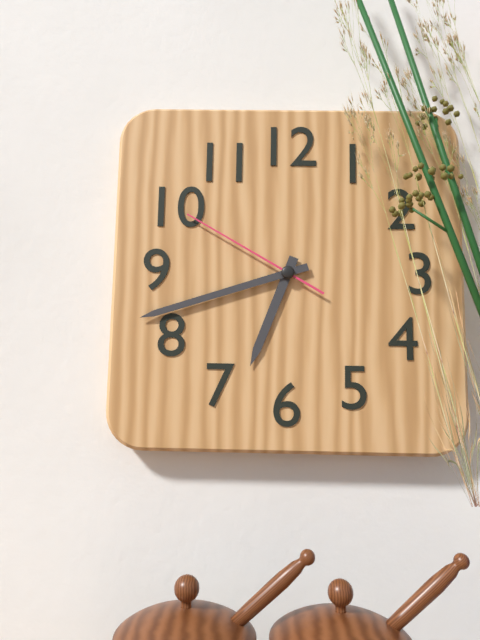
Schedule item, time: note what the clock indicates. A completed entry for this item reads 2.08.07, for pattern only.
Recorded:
6.42.50
